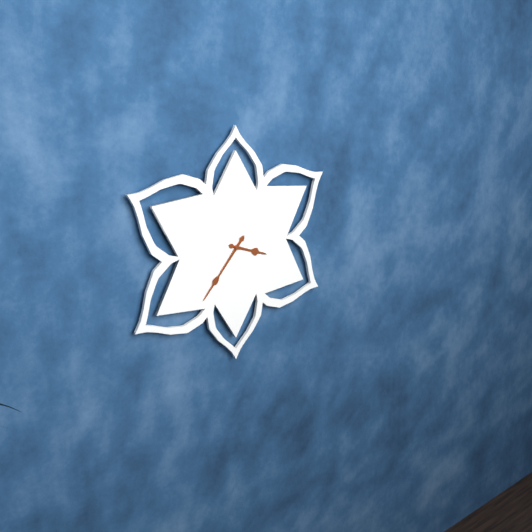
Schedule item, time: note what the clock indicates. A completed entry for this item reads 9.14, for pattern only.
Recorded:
3.37
